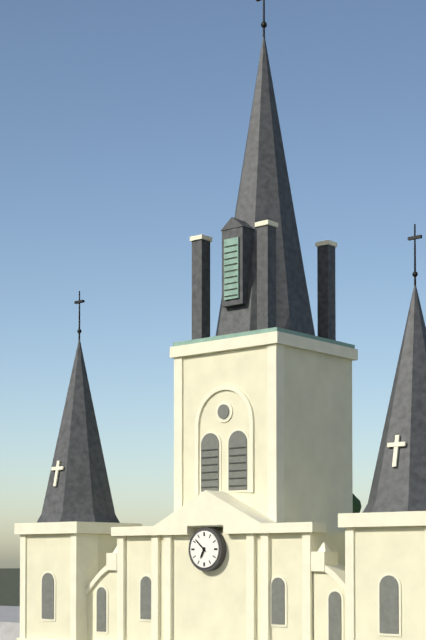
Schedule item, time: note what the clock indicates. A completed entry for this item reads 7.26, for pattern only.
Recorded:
6.52
